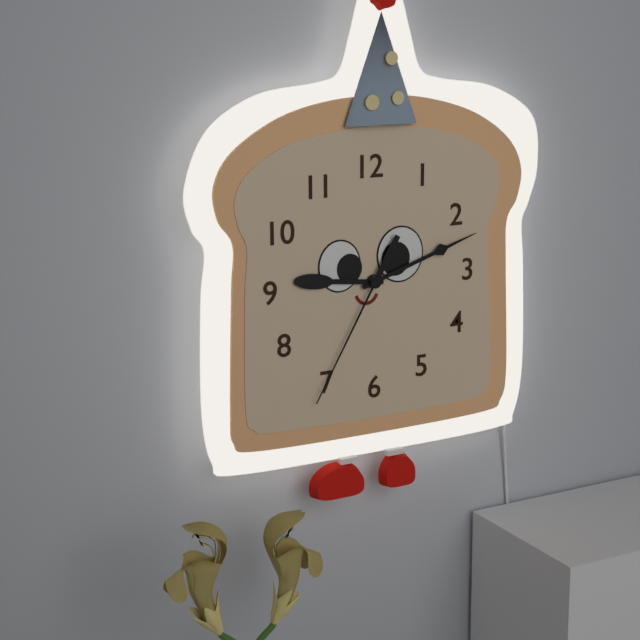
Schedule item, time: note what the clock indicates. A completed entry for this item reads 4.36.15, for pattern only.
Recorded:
9.12.35
